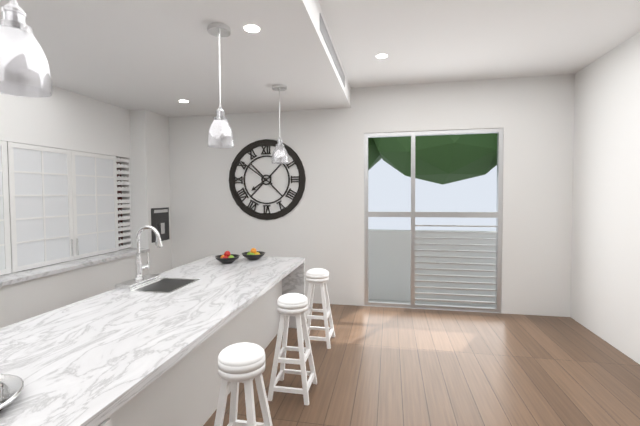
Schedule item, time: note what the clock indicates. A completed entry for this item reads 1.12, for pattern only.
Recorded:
7.51
